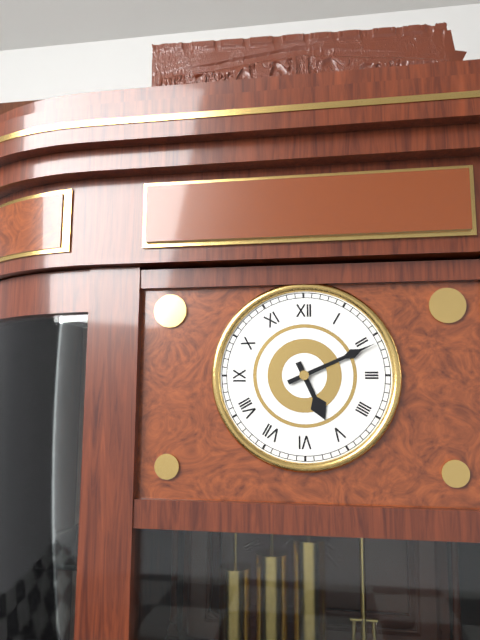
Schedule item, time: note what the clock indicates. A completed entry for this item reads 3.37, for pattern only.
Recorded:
5.11
